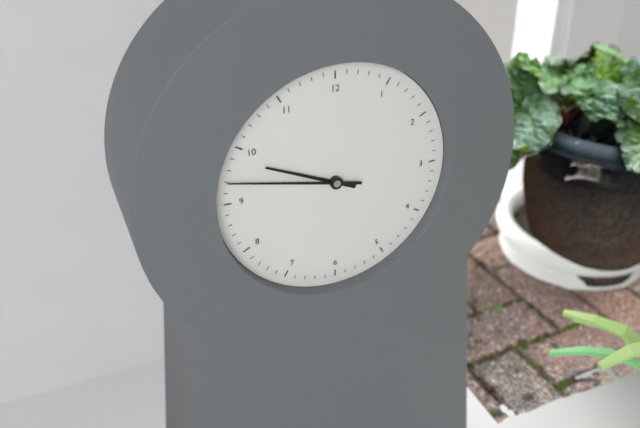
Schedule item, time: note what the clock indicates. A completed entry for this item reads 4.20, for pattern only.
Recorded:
9.47
